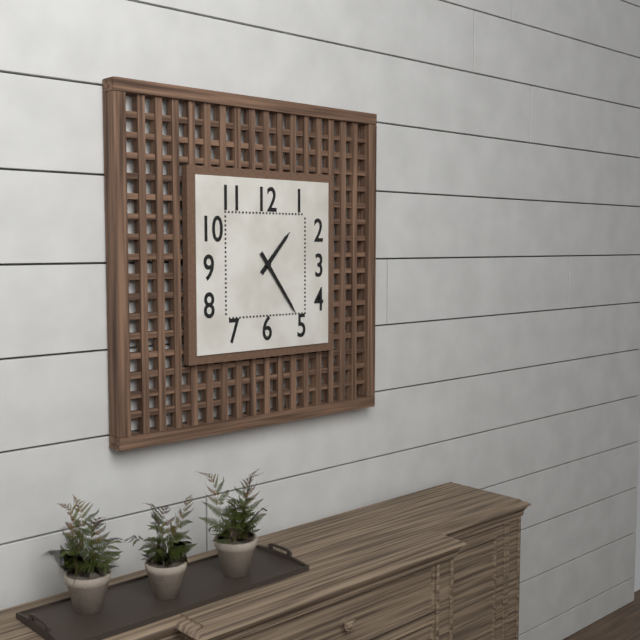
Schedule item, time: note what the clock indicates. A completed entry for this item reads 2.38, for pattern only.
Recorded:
1.24
